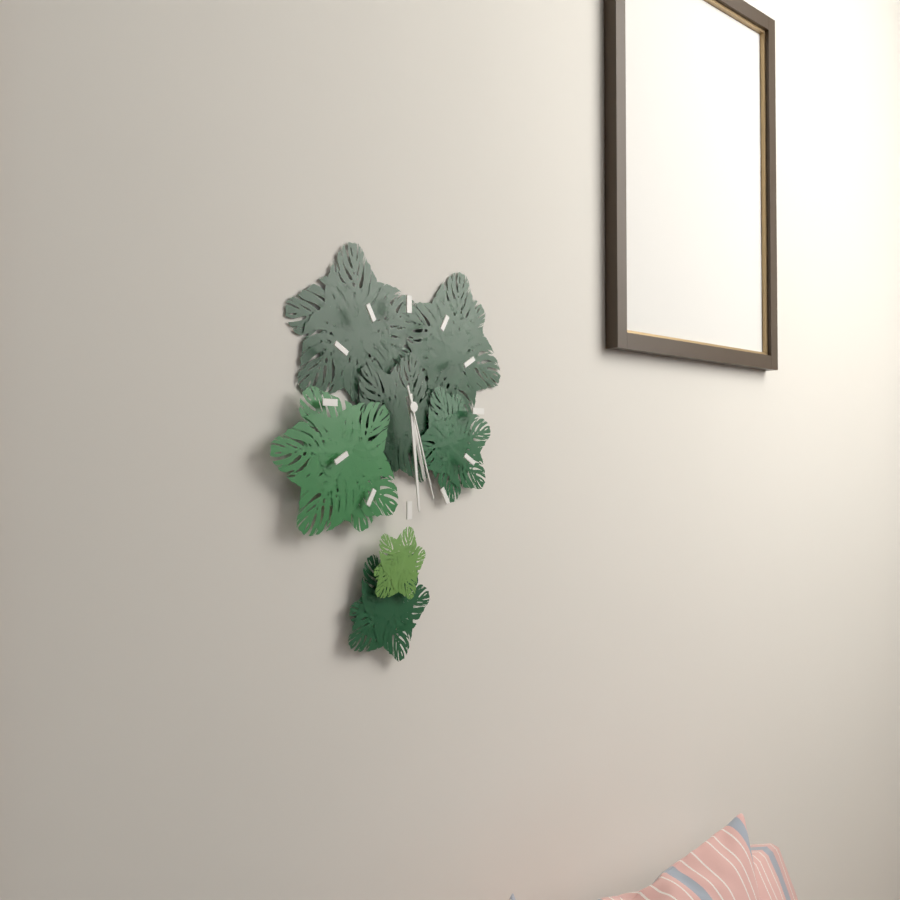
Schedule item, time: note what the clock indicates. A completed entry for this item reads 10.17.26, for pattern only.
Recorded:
5.29.27
